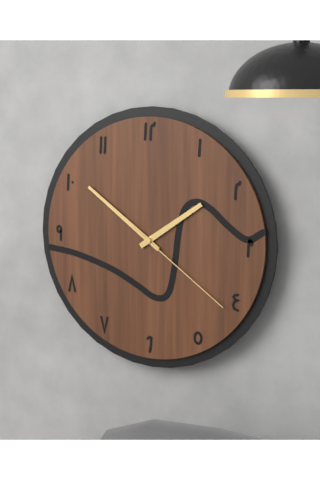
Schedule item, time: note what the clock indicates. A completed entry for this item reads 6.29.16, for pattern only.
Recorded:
1.51.21
